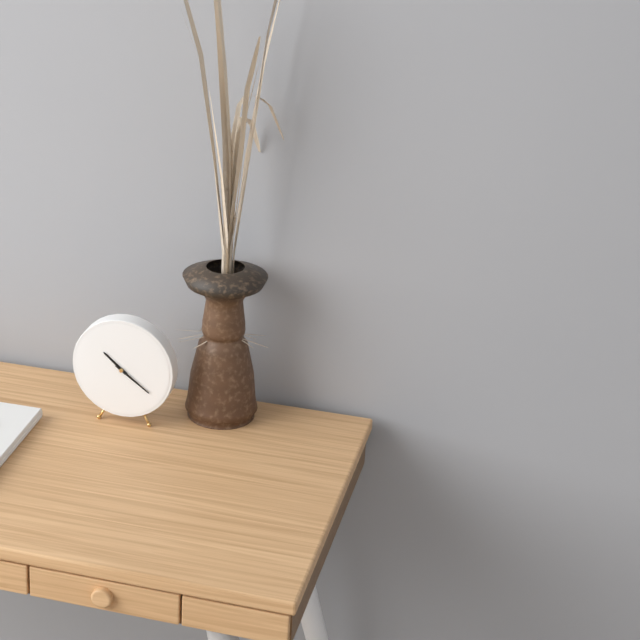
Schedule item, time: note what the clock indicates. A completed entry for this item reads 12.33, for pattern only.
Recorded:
10.21
